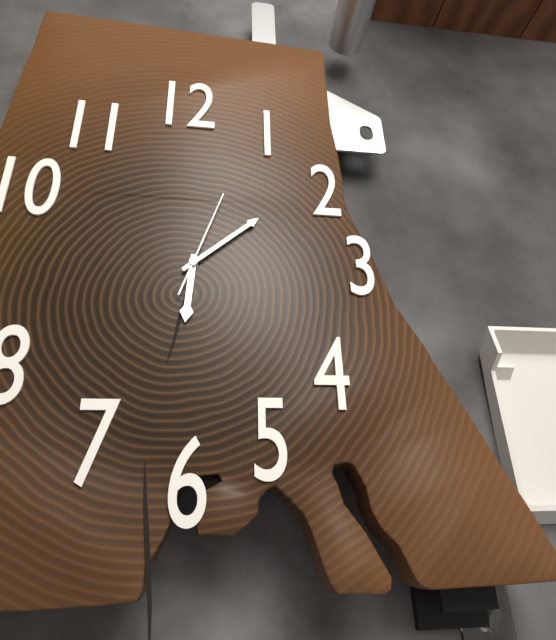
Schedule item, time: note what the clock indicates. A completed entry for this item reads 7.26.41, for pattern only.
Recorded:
6.08.03
